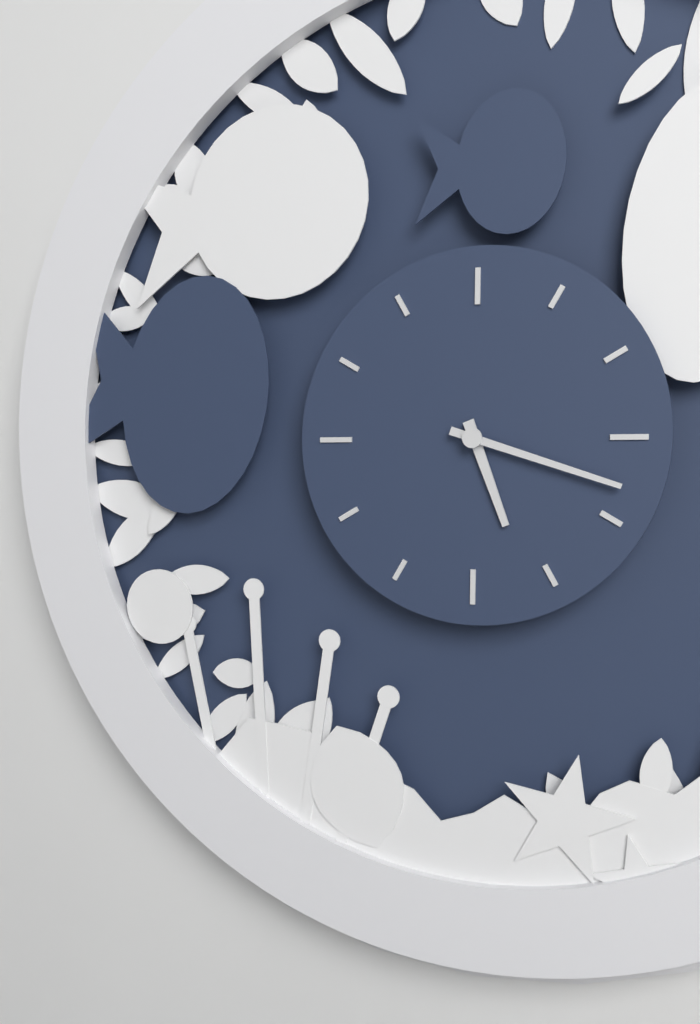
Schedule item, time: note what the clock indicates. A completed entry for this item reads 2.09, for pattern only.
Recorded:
5.18
